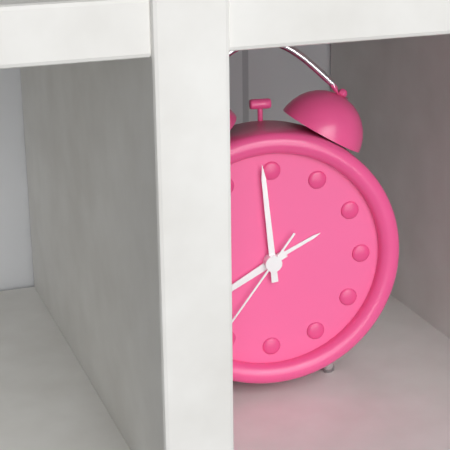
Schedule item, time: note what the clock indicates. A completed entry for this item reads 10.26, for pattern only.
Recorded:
7.59
